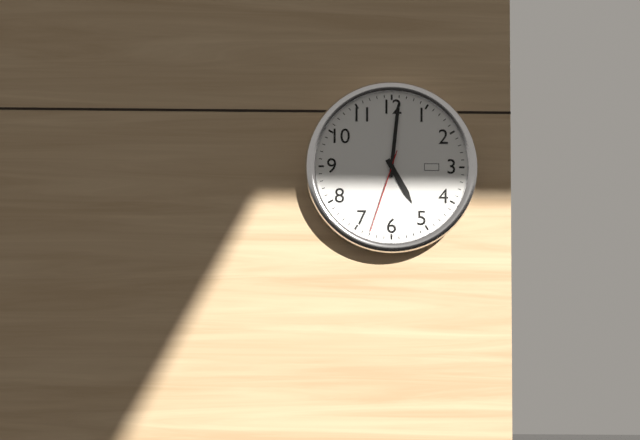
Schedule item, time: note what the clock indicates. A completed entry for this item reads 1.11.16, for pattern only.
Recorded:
5.01.33
